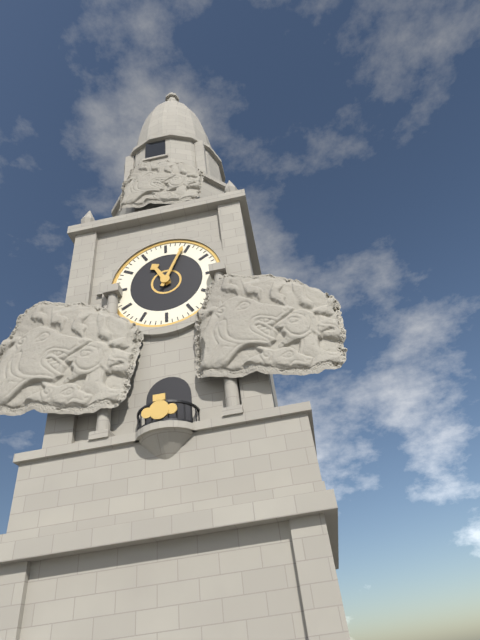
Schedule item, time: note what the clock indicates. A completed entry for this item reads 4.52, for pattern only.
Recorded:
11.04
